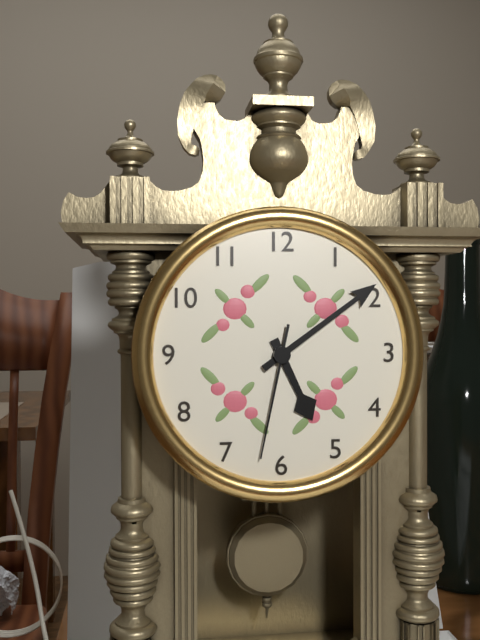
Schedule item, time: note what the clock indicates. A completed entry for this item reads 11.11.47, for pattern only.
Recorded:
5.09.32
